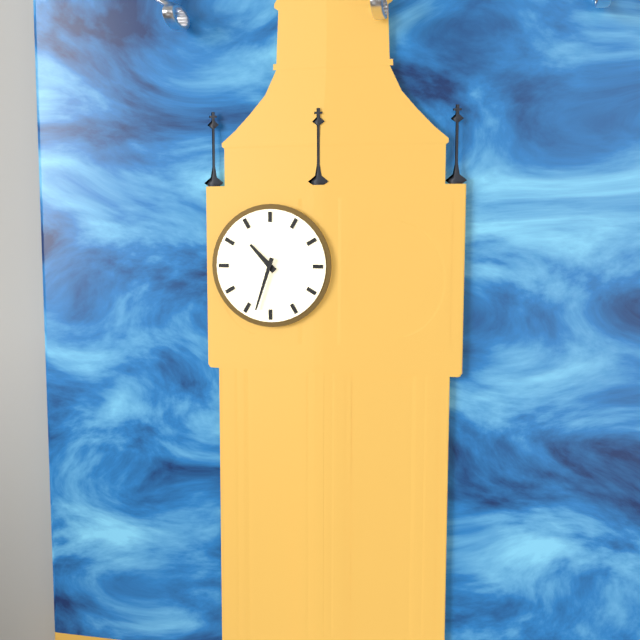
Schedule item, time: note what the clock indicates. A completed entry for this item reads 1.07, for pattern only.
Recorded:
10.33
